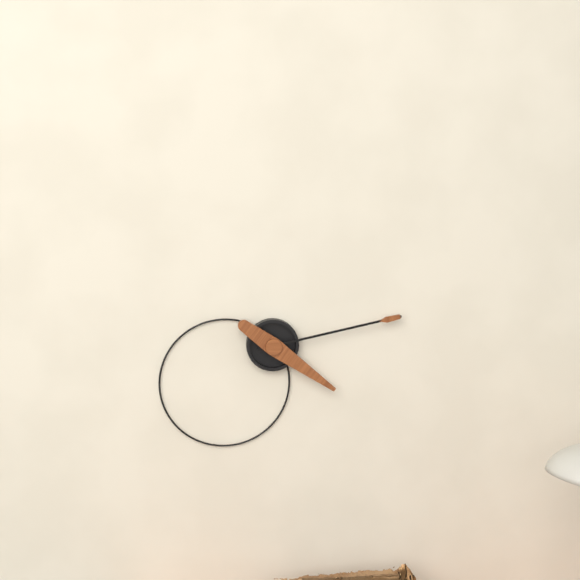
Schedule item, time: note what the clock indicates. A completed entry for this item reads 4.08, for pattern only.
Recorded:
4.13
